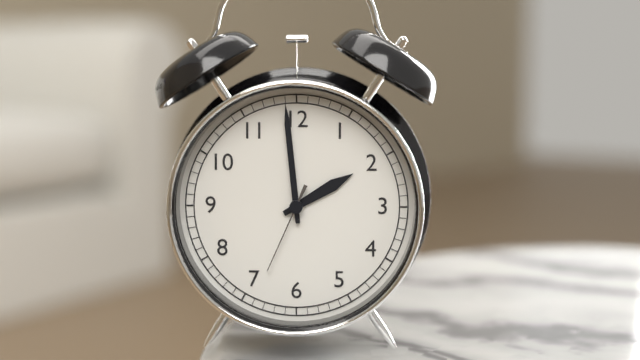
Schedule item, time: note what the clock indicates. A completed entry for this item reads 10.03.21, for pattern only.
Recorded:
1.59.34
